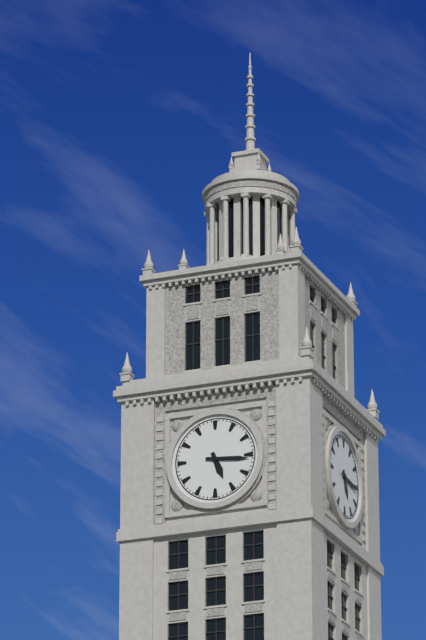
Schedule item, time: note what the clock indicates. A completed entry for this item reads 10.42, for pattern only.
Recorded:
5.16
